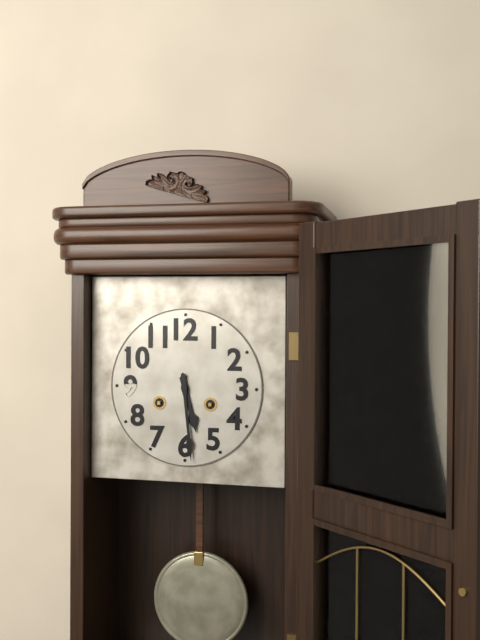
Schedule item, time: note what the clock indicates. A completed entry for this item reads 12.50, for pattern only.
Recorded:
5.29
